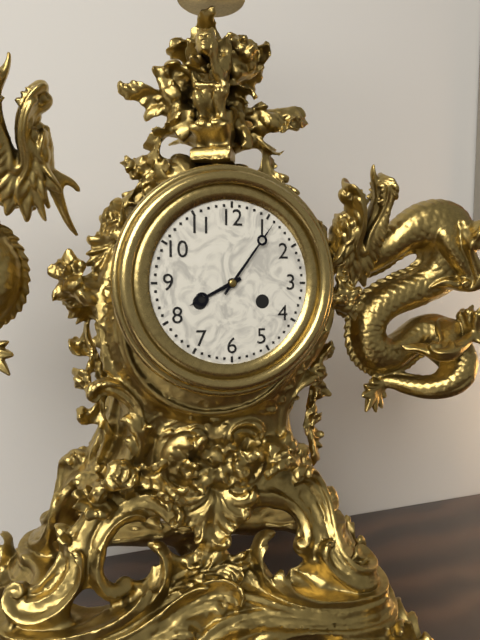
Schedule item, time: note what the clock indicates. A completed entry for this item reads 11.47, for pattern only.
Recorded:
8.06
